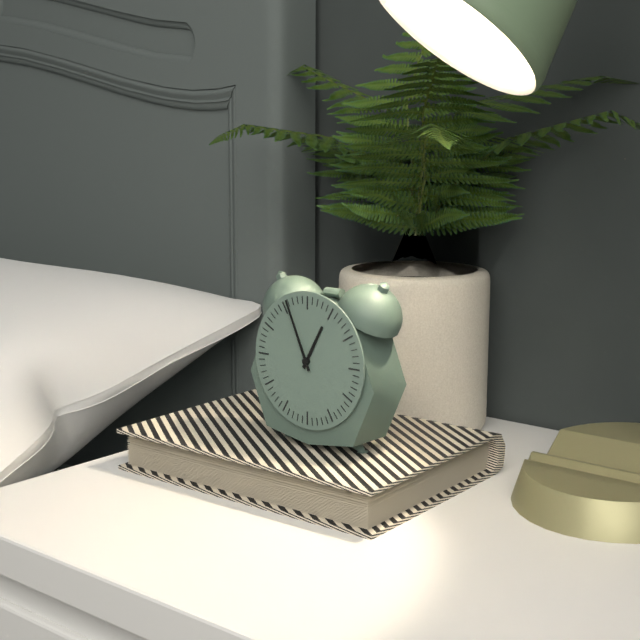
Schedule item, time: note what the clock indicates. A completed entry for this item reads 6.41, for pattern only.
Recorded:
12.56
